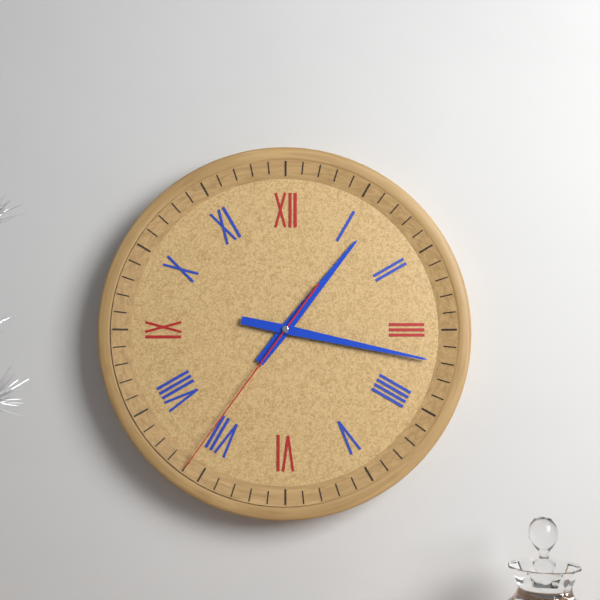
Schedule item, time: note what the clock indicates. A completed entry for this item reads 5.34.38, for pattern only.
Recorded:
1.17.36
